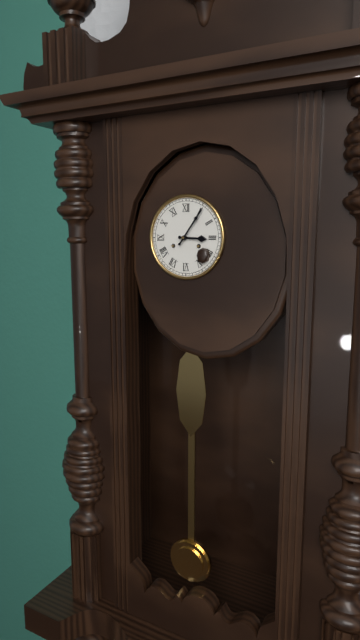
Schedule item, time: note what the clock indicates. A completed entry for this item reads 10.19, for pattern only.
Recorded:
3.06
